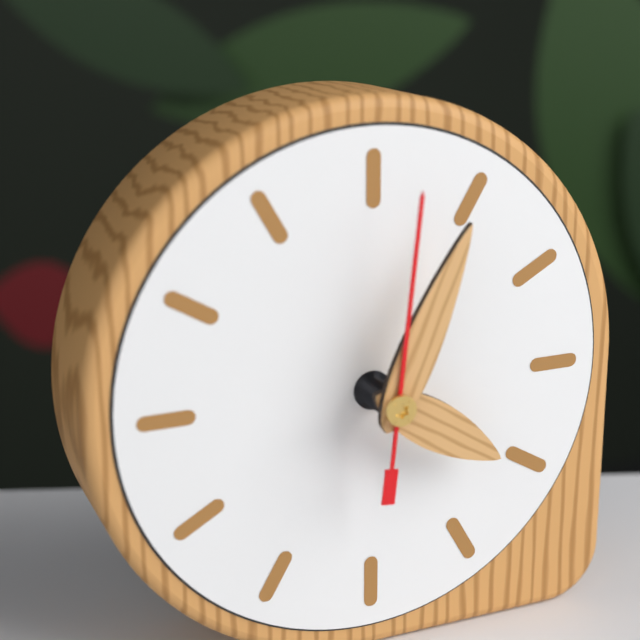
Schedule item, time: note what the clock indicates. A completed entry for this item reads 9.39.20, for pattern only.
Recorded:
4.04.01
